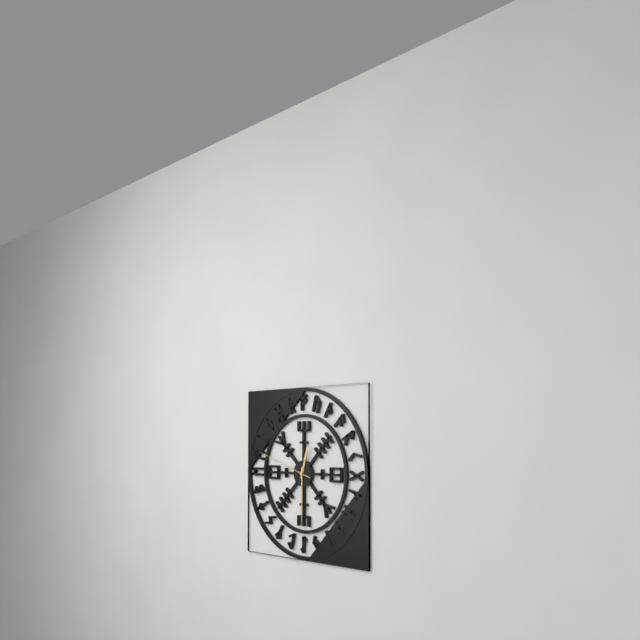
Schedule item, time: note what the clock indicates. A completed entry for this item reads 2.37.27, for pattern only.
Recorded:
12.30.48
